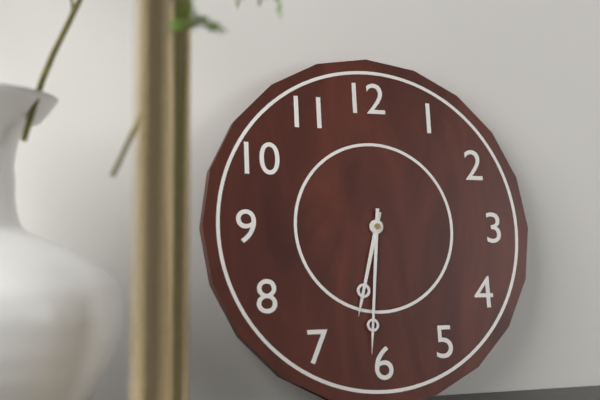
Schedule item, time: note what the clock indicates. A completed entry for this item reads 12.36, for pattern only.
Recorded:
6.31
